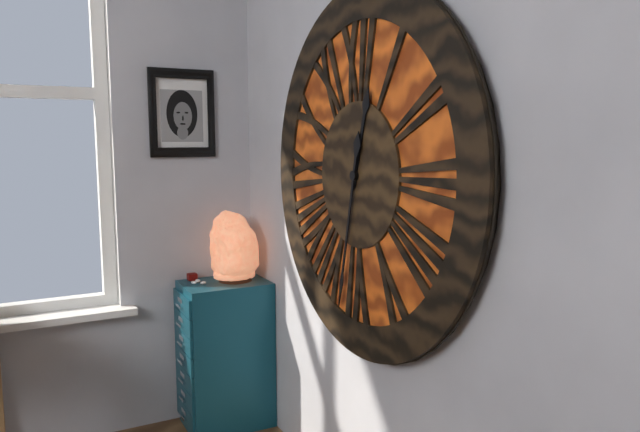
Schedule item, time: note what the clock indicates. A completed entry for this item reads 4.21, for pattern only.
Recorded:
12.32
